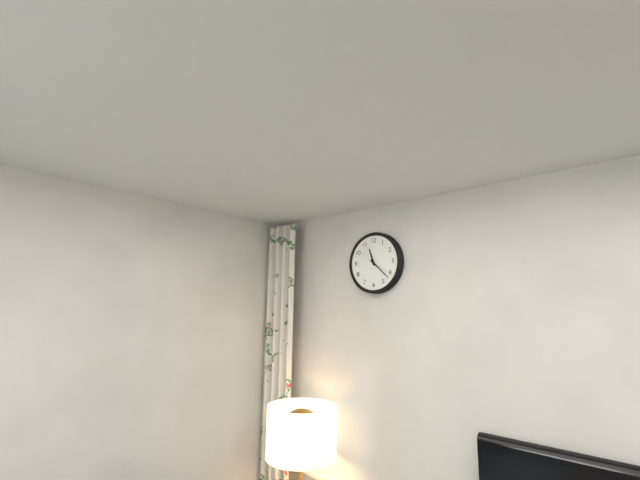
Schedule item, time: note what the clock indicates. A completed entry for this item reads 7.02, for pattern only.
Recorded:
11.22
